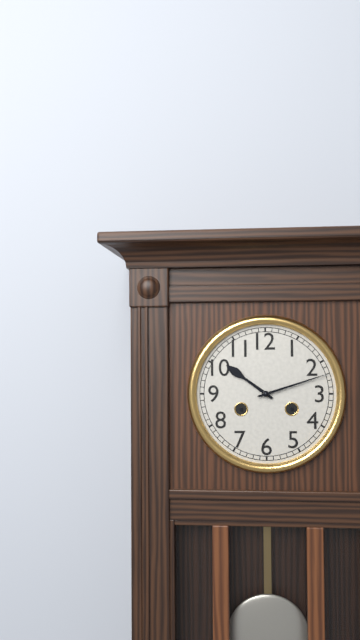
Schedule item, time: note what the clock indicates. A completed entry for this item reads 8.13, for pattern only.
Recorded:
10.12
